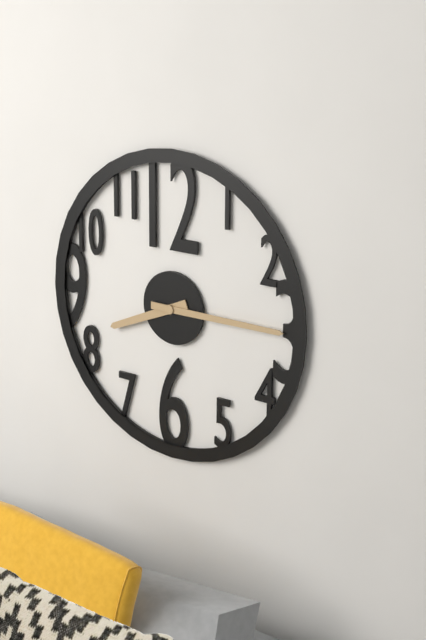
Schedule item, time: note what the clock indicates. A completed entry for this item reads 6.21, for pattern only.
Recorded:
8.15
